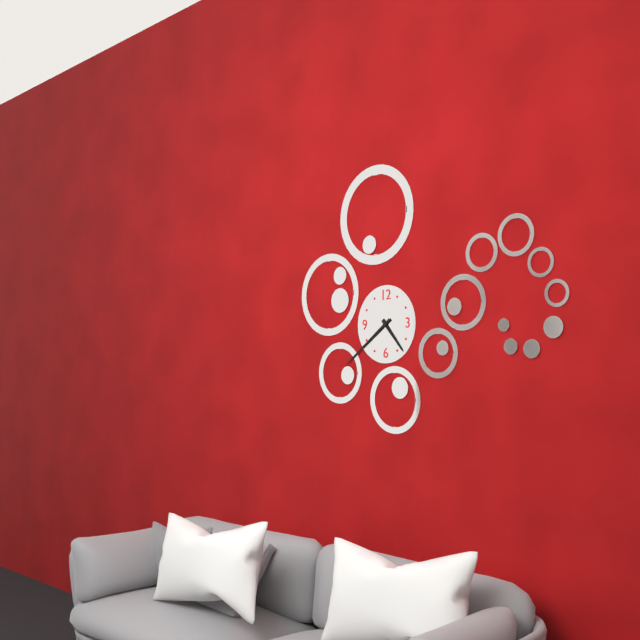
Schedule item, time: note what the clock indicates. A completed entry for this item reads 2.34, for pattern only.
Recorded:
4.39
